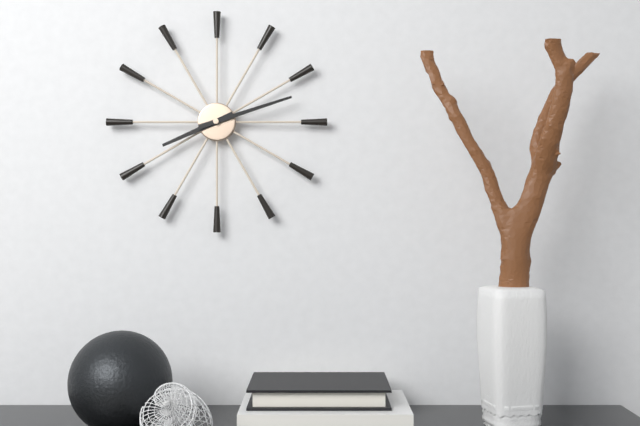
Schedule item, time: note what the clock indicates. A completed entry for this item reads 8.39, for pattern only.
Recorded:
8.12
